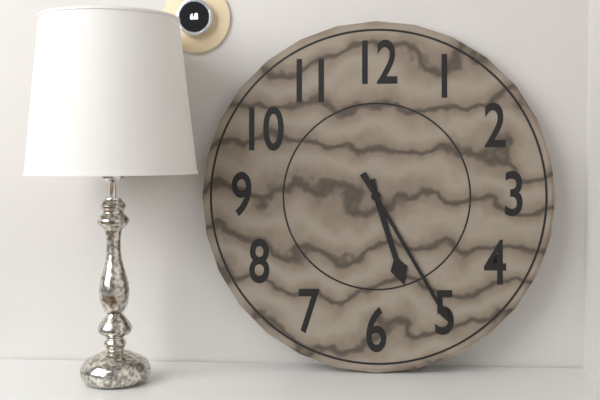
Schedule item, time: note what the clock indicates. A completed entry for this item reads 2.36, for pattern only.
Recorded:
5.25
